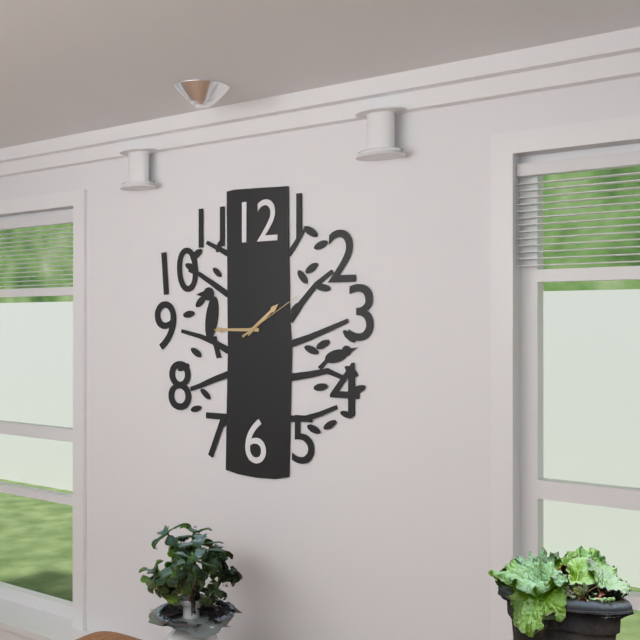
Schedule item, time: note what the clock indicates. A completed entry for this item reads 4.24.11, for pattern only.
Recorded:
1.45.10
